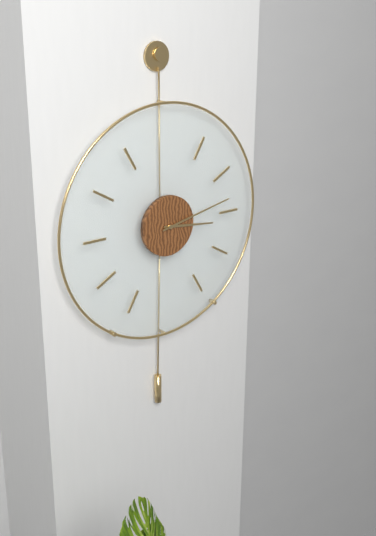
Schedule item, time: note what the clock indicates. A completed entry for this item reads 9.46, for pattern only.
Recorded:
3.13
